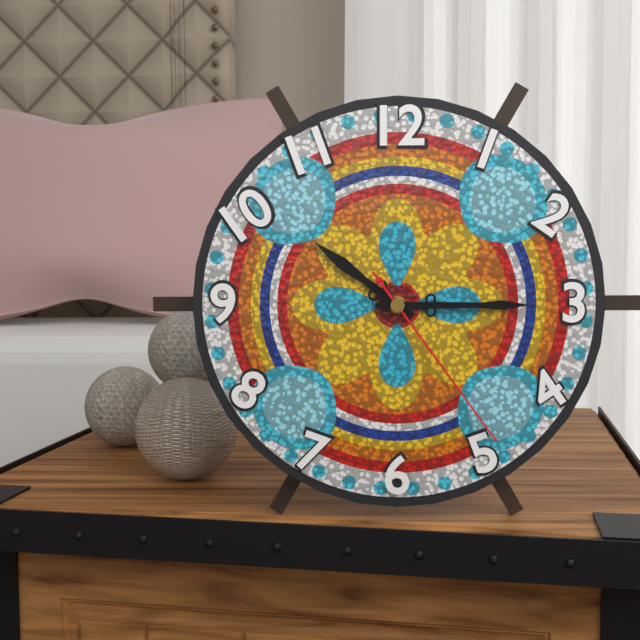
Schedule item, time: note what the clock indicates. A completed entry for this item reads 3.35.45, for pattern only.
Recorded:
10.15.24
